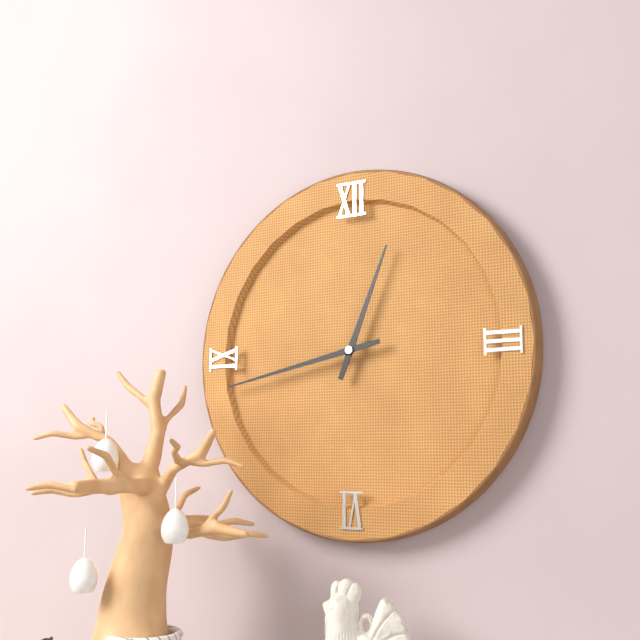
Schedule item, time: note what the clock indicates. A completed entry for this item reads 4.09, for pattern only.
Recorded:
12.43
